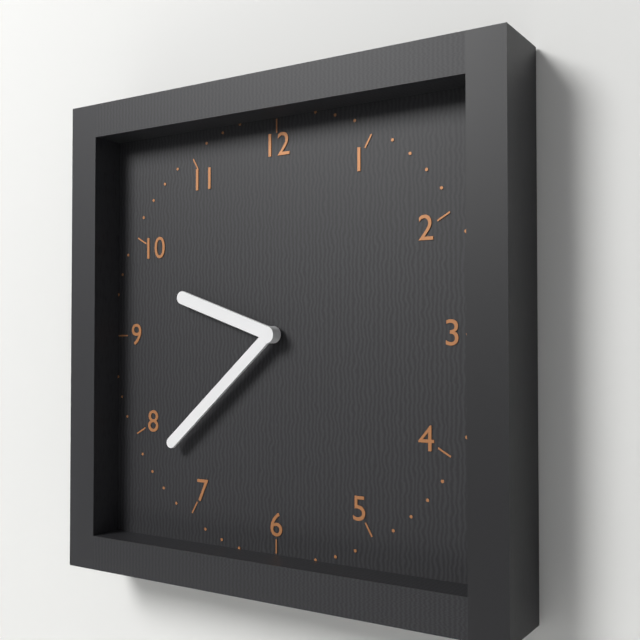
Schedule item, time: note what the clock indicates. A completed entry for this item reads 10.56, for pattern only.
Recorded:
9.38
